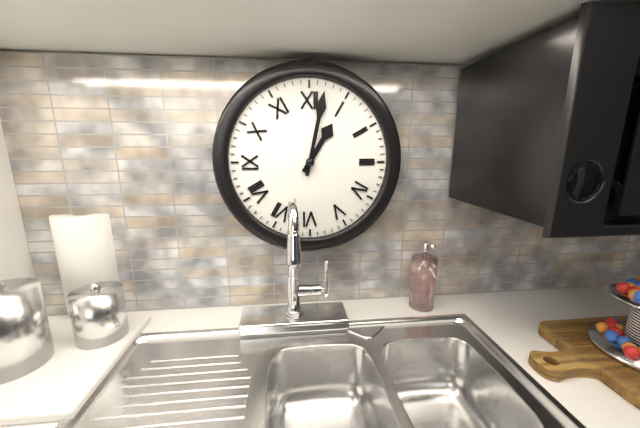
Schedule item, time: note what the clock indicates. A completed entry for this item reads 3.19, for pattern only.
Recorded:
1.02
